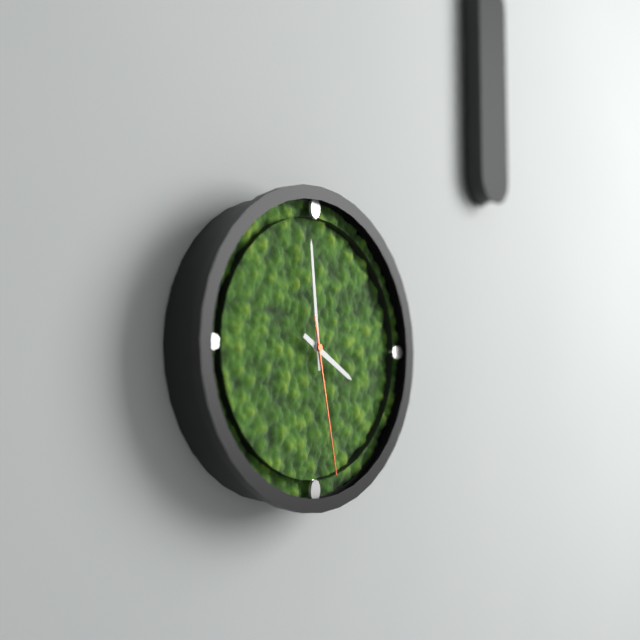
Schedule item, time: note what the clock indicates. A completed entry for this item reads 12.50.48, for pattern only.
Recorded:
3.59.28
